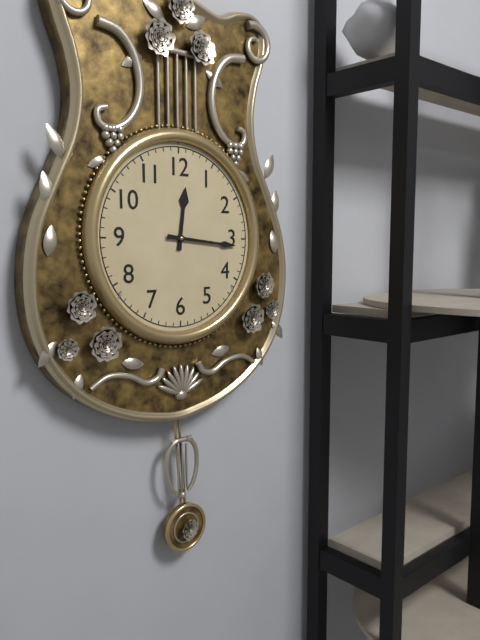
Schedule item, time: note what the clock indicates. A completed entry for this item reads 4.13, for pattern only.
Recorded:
12.16
